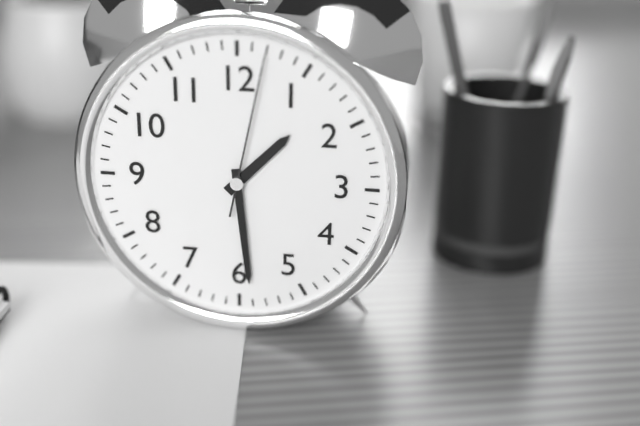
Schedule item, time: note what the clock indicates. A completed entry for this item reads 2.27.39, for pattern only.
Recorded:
1.29.02
